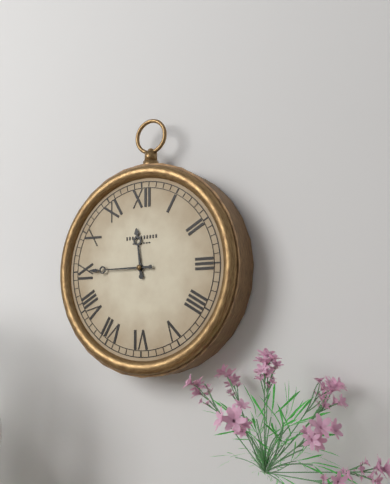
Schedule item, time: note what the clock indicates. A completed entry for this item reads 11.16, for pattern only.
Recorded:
11.45
